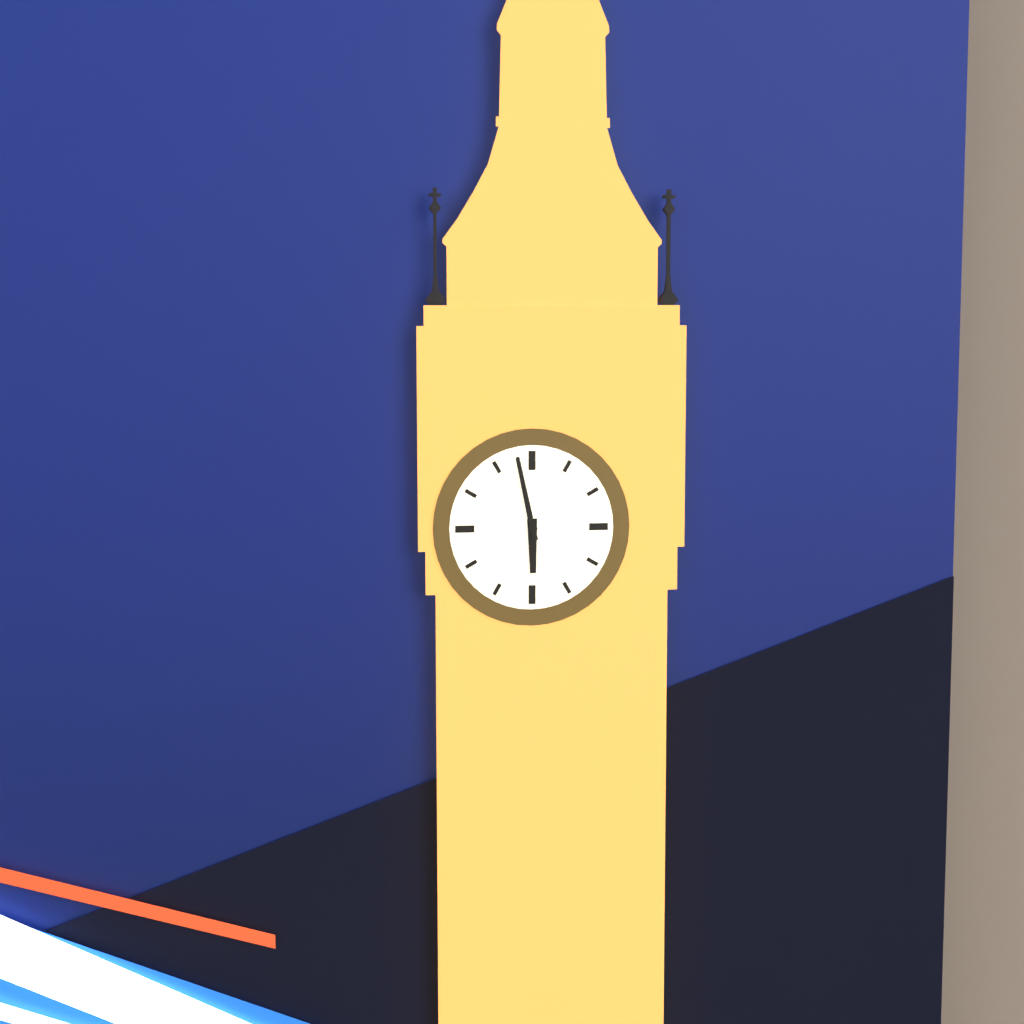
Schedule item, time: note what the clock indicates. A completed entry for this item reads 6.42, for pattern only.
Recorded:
5.58
